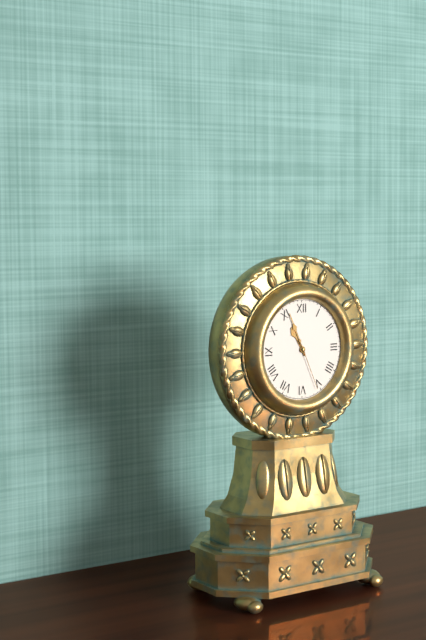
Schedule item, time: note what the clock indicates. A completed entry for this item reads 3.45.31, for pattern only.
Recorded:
10.56.26
